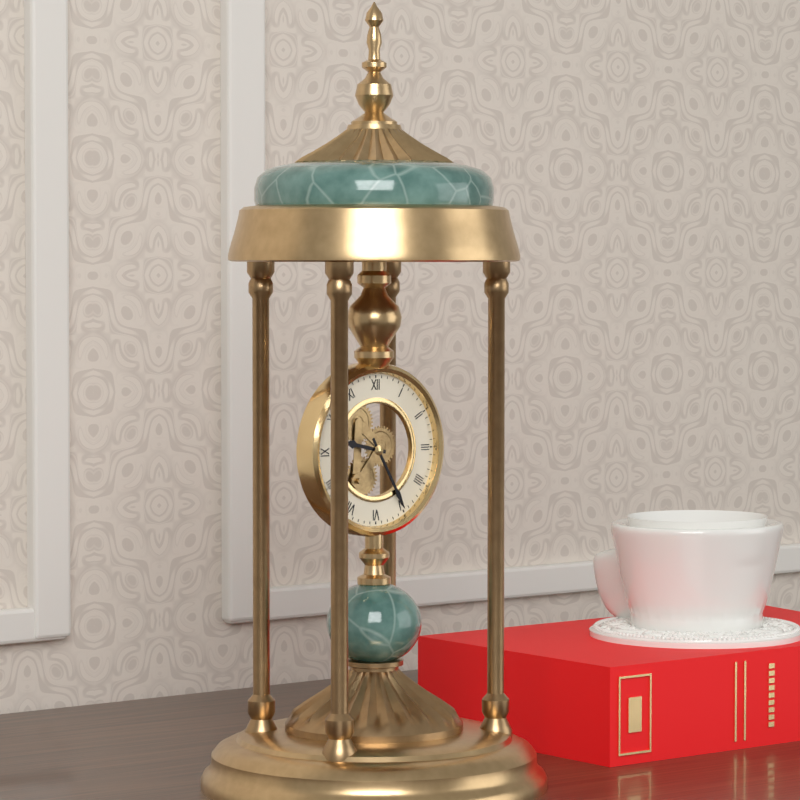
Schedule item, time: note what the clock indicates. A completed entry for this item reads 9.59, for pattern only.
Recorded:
9.25
